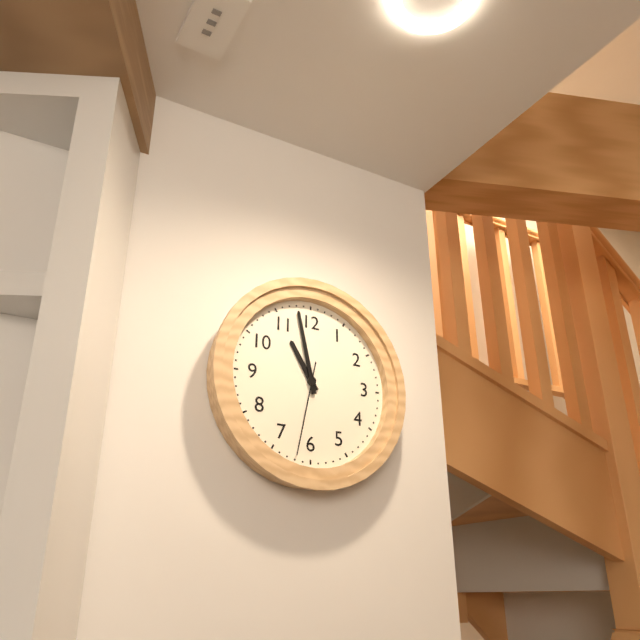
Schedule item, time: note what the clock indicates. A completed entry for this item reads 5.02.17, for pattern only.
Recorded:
10.58.32
